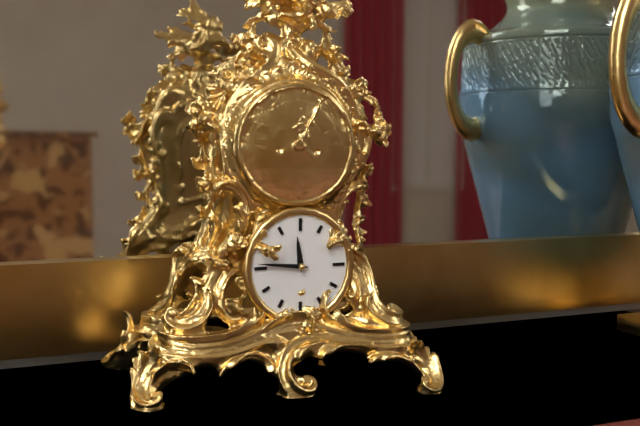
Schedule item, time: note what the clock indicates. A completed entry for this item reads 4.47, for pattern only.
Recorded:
11.46
